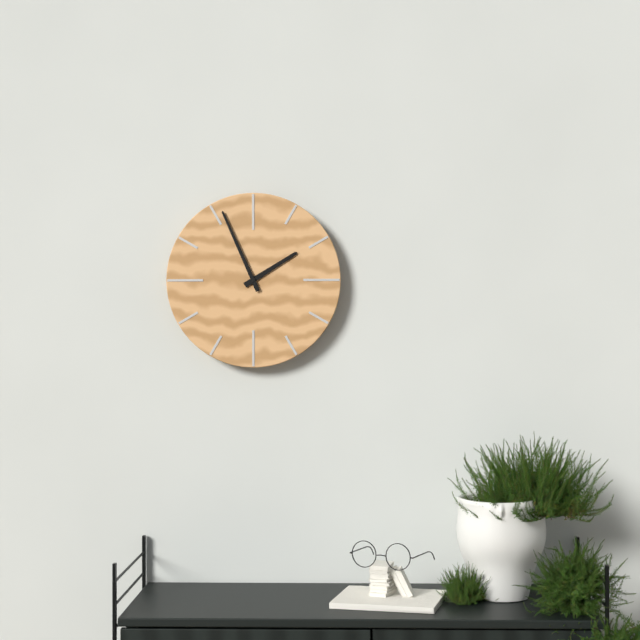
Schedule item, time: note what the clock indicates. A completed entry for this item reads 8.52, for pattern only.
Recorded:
1.56
